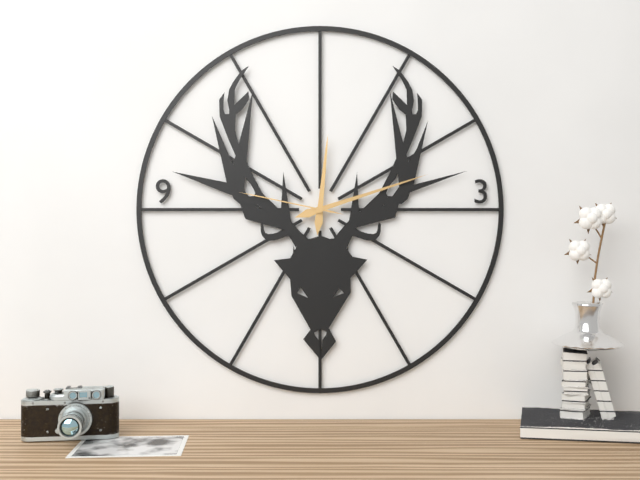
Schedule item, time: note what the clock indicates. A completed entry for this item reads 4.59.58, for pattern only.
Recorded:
12.12.47
